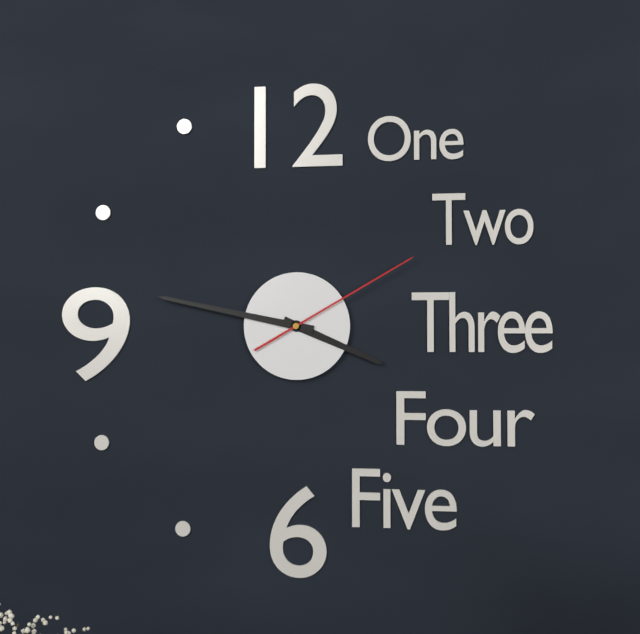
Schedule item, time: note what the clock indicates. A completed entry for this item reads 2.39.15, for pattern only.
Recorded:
3.47.10
